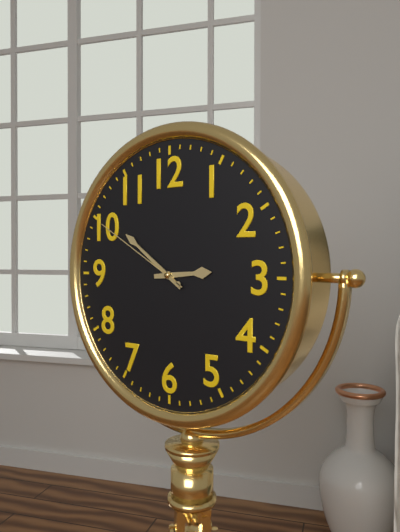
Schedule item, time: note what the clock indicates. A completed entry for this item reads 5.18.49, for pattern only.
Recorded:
2.51.50
